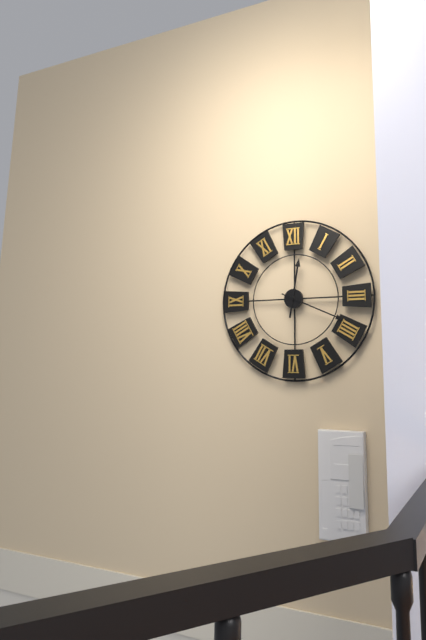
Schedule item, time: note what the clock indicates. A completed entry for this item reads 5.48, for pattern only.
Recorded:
12.19
